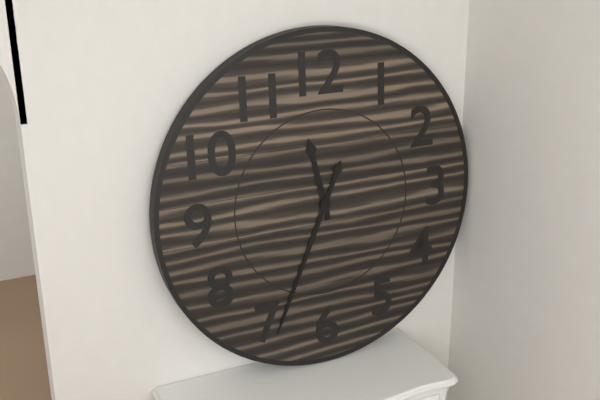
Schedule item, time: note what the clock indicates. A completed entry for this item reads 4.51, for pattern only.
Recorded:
11.34
